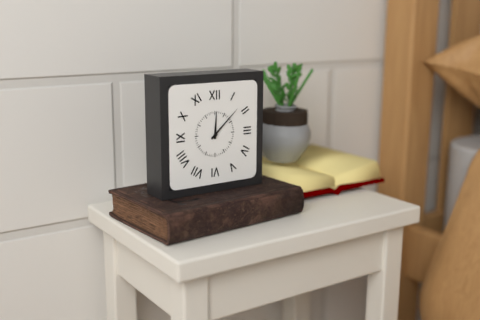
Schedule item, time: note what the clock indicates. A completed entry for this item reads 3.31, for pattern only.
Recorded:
12.08
